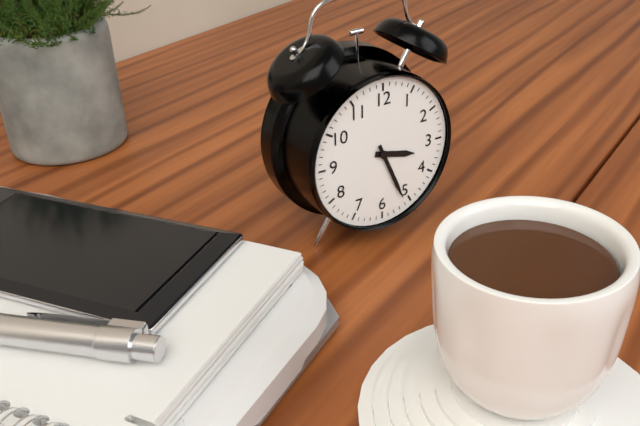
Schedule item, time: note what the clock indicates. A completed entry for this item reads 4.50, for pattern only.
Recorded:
3.26
